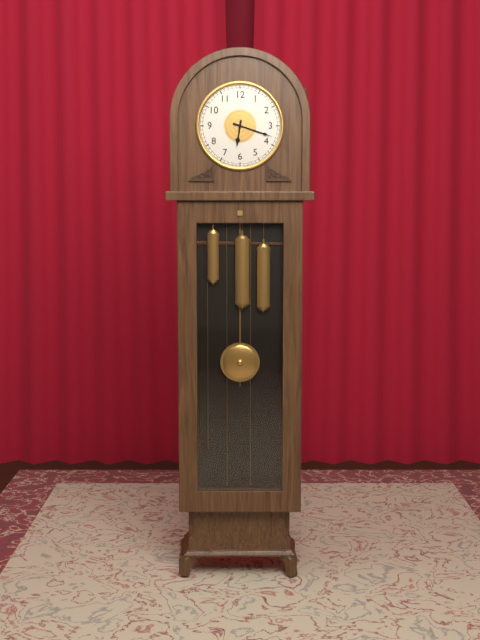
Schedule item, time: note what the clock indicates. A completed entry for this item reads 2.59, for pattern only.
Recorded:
6.18
